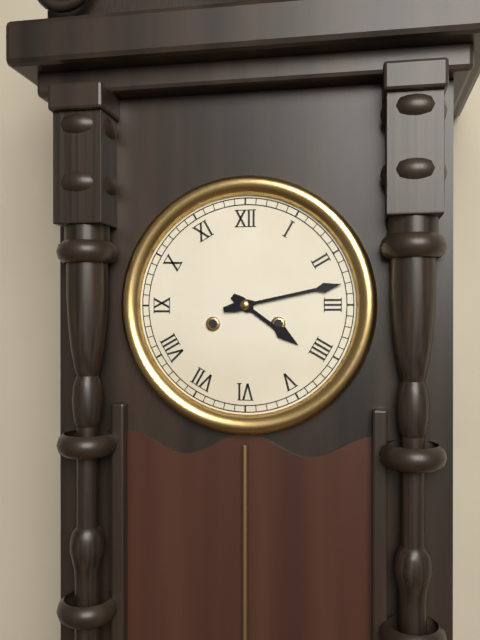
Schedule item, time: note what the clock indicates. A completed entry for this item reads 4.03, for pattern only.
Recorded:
4.13
